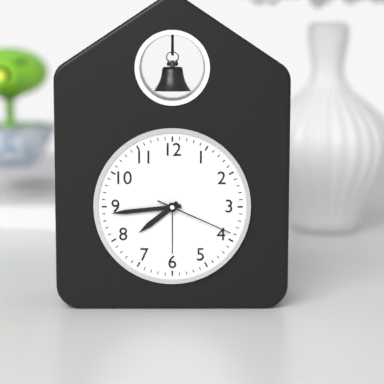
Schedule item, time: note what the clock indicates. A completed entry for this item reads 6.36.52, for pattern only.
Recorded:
7.44.19
